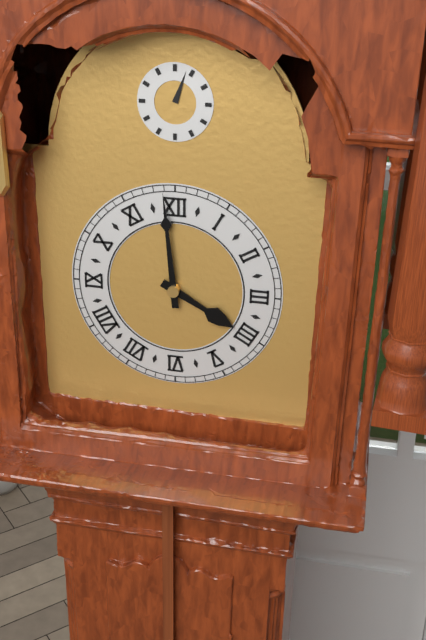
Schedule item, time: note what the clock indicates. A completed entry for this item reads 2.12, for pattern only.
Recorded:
3.59
